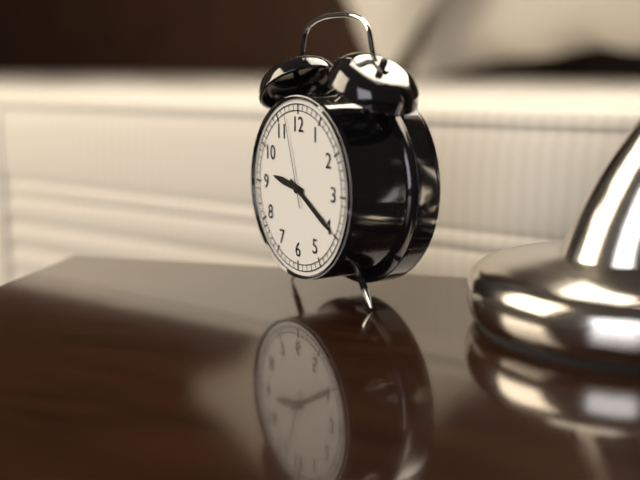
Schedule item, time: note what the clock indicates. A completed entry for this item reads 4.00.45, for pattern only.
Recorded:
9.20.57
